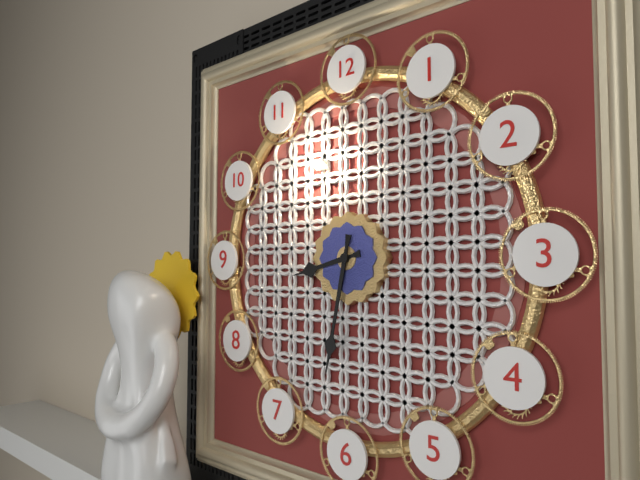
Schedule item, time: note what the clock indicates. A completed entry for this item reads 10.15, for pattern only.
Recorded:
8.32
